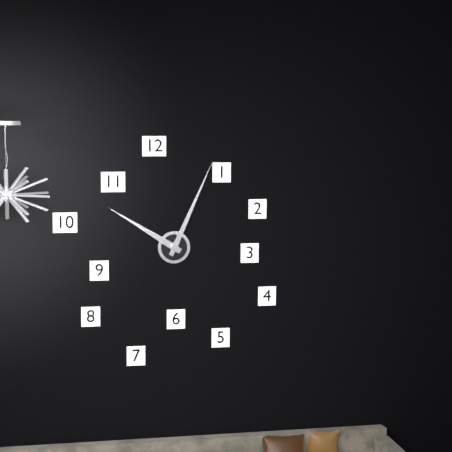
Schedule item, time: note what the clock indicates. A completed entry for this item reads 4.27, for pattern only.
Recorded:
10.04
